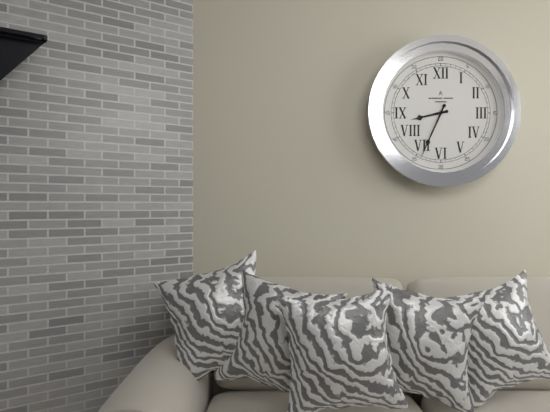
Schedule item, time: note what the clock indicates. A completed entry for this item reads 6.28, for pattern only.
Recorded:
8.34
